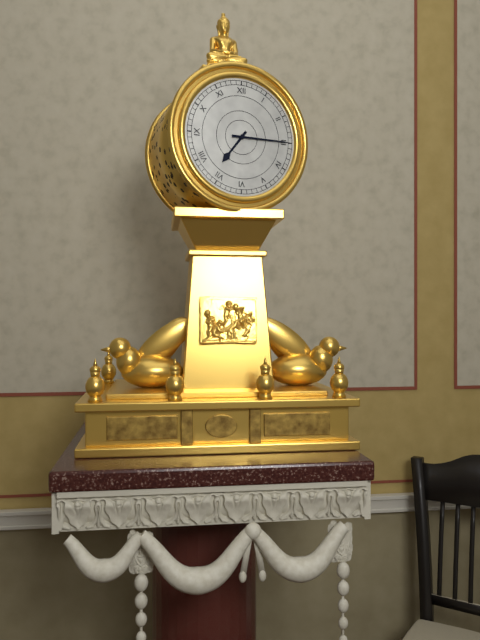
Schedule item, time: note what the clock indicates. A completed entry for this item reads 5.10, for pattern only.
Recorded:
7.15
